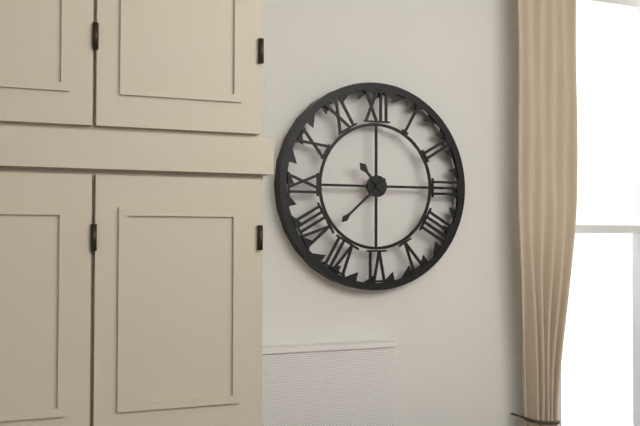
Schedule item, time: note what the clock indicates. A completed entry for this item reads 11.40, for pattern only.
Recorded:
10.38
